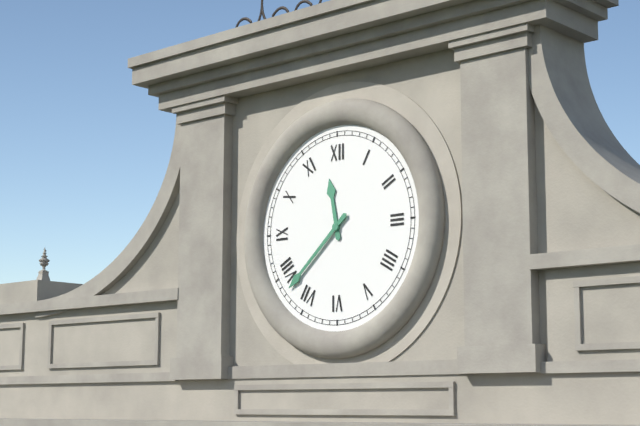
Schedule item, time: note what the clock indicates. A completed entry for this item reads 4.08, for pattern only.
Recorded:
11.38
